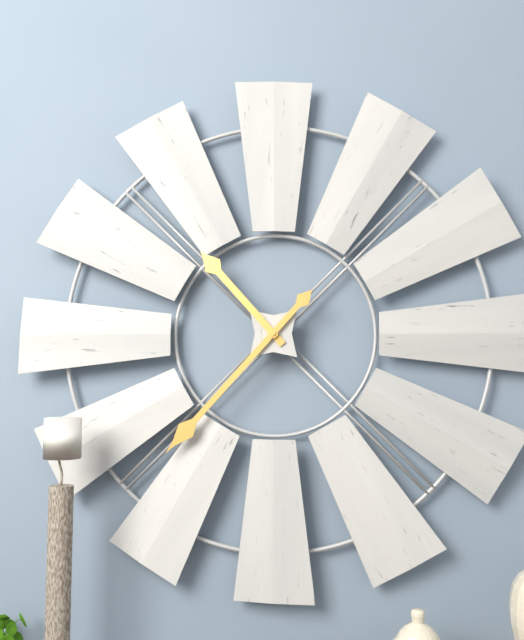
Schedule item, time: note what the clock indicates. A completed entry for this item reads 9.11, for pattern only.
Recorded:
10.37
